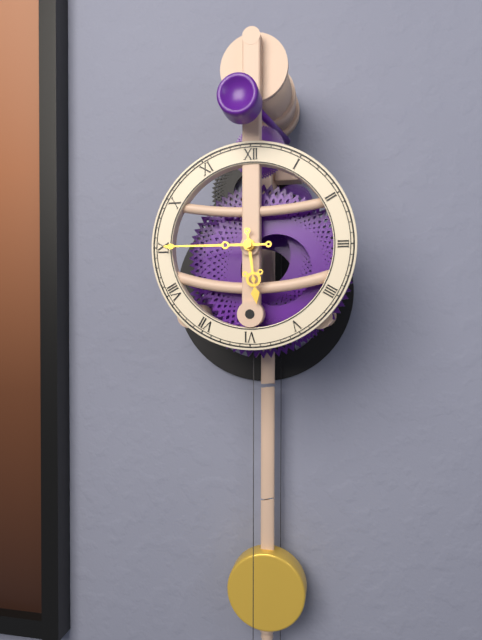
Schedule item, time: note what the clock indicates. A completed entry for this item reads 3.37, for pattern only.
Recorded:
5.45
